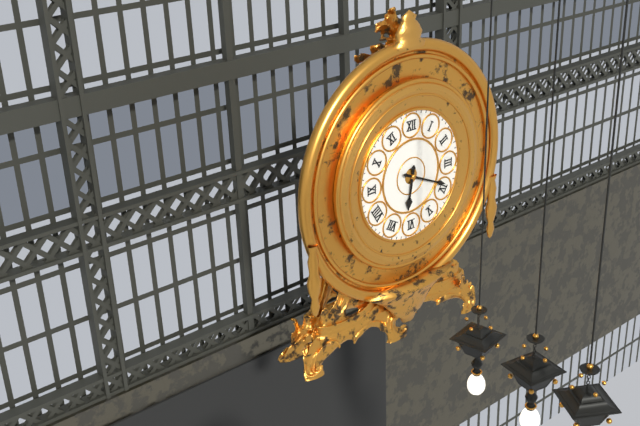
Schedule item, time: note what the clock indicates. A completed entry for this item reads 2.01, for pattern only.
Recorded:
6.19
